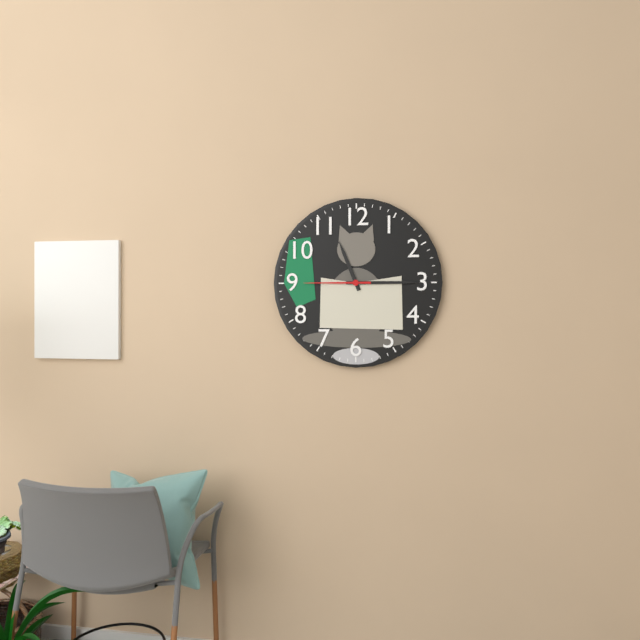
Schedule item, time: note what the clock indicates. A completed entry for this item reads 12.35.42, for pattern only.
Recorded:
11.15.45
